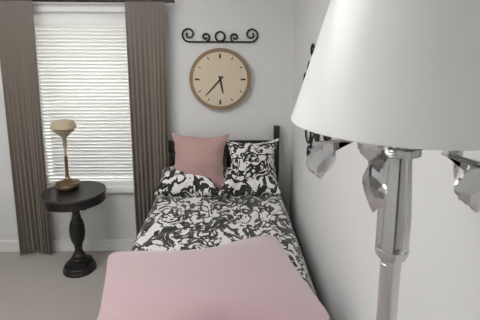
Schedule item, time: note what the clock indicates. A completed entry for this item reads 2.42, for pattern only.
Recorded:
5.37
